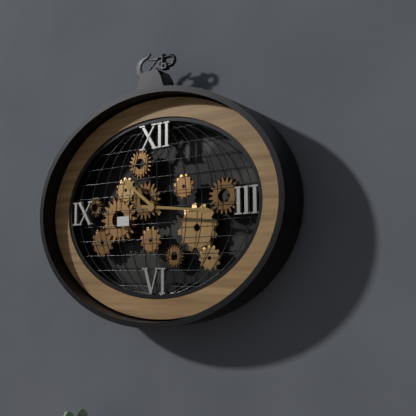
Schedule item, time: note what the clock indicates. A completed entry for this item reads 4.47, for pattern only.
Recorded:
10.16
